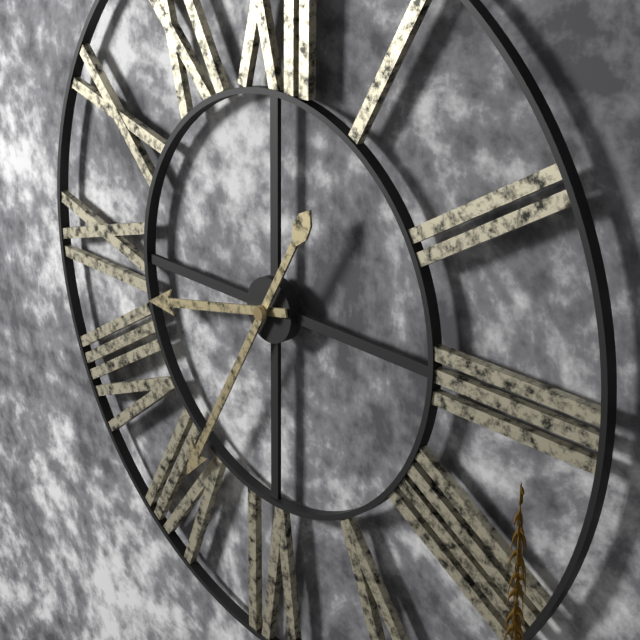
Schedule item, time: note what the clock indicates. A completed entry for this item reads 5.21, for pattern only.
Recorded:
8.35
